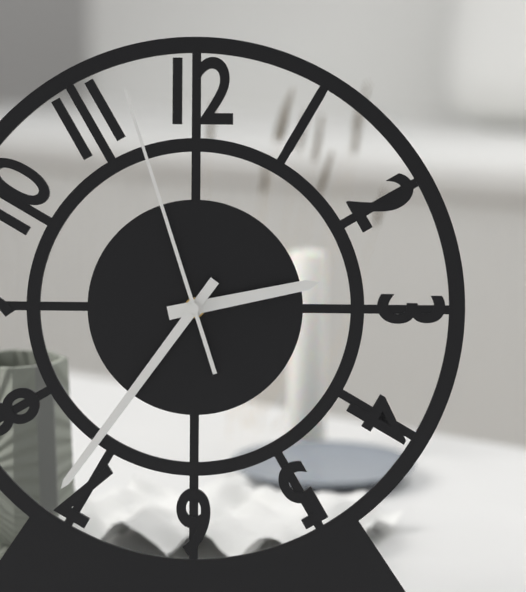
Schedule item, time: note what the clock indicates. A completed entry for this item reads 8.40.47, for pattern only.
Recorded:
2.36.57
